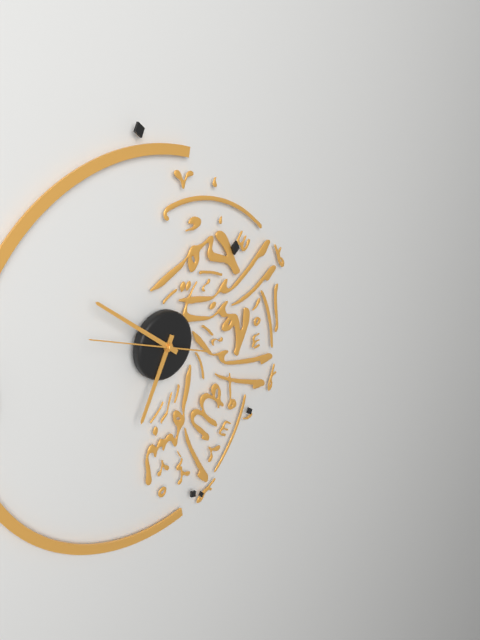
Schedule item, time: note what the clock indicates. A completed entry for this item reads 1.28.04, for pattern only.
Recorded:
6.51.48
